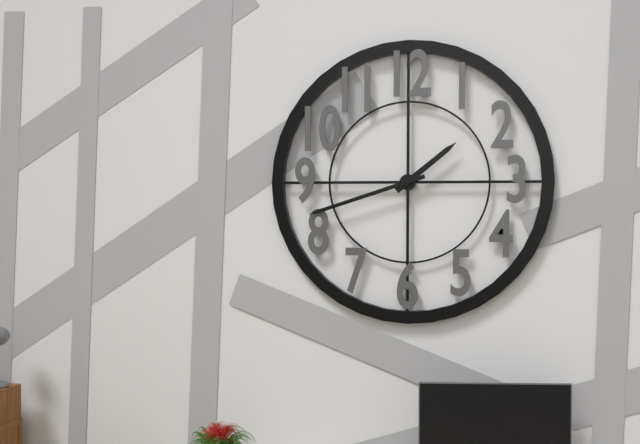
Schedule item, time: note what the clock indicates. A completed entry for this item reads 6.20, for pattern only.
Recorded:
1.42
